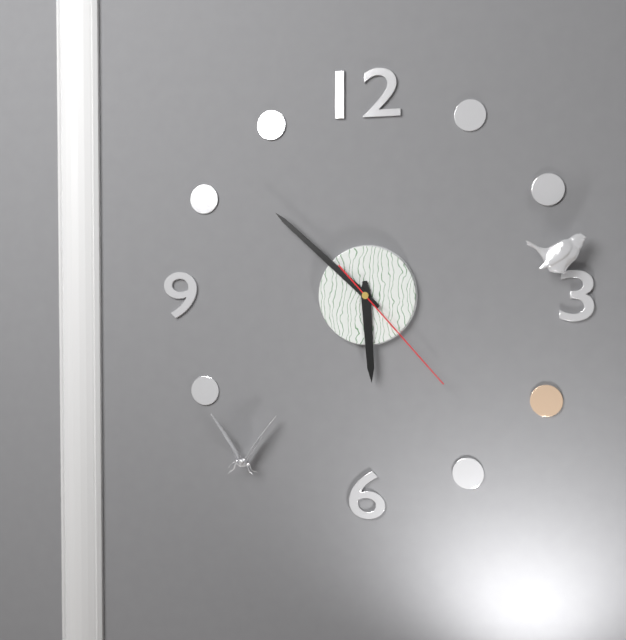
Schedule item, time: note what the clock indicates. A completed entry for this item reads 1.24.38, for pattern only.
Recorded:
5.52.23
